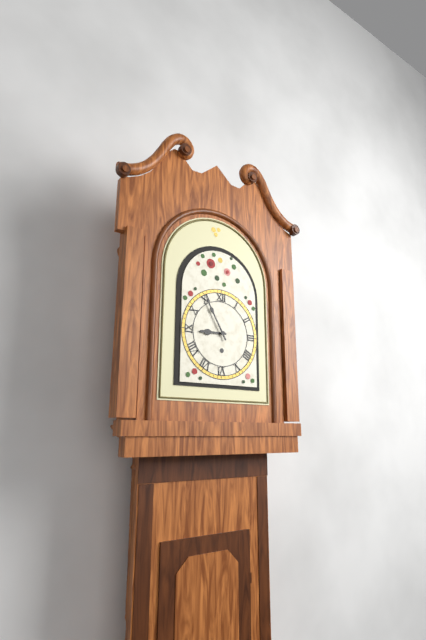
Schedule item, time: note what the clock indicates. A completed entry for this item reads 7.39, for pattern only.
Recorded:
8.55
